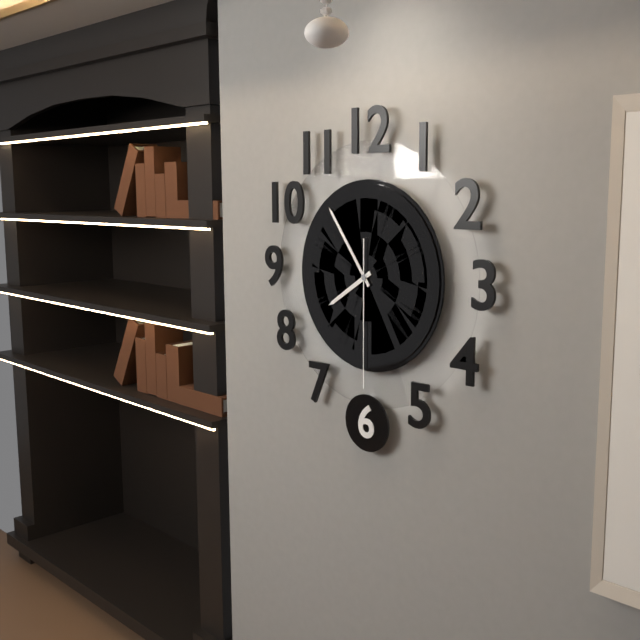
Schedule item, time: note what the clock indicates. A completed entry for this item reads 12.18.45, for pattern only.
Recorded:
7.54.30
